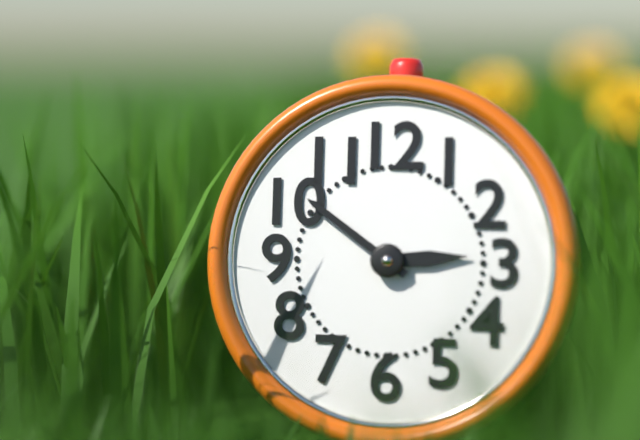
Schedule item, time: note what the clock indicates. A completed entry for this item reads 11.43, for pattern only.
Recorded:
2.51
